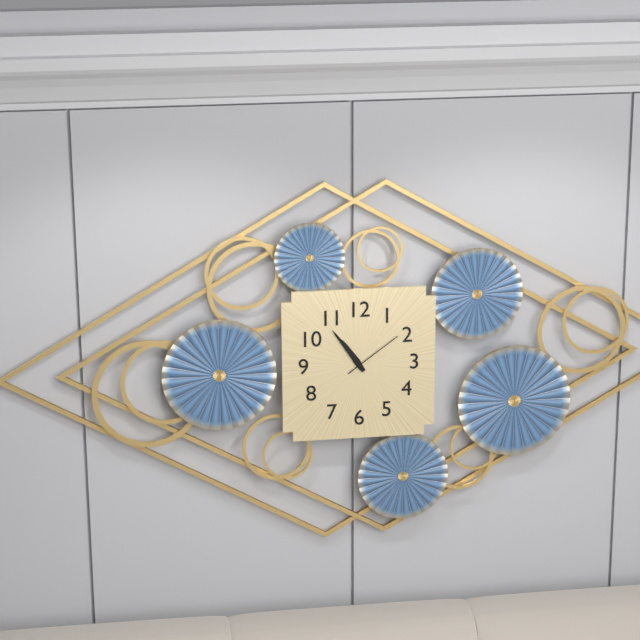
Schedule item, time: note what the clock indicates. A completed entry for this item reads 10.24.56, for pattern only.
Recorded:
10.54.09
